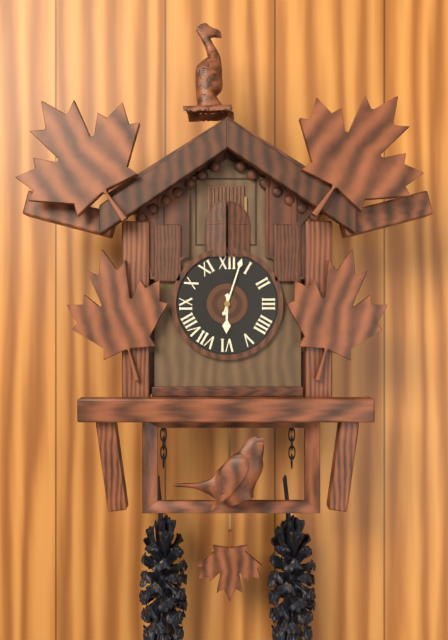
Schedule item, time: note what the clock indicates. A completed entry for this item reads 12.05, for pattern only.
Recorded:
6.03
